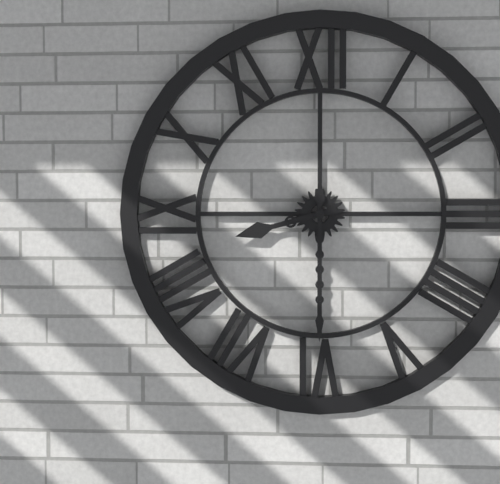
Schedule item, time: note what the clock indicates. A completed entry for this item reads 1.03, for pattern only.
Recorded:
8.30
